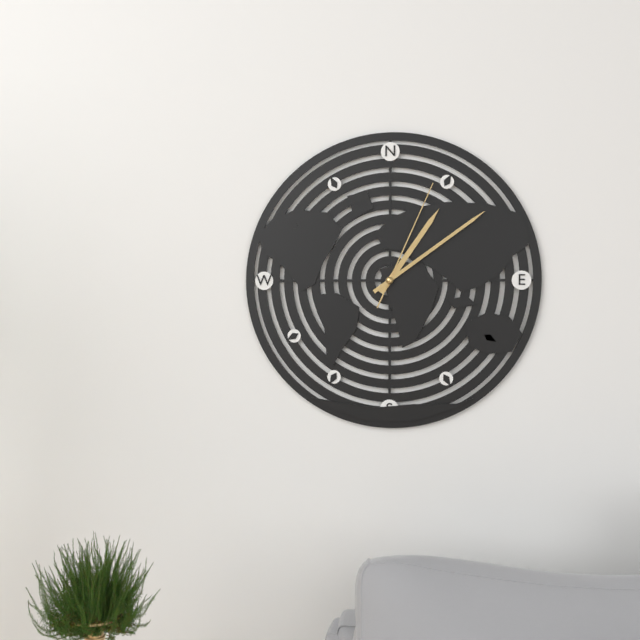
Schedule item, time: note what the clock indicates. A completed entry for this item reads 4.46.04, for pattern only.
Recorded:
1.09.04
